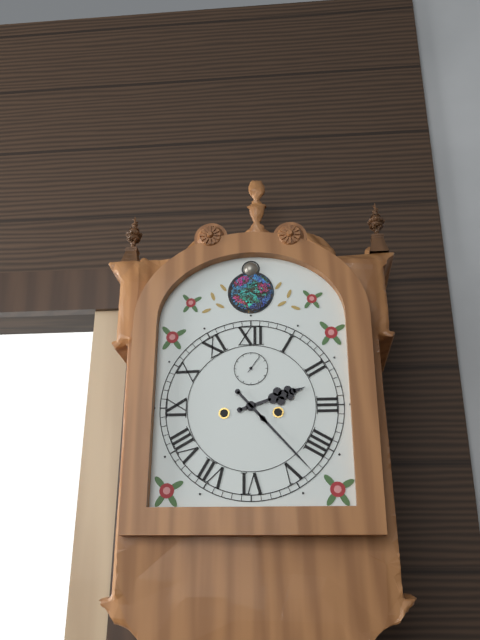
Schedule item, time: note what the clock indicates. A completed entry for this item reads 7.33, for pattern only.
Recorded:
2.23
